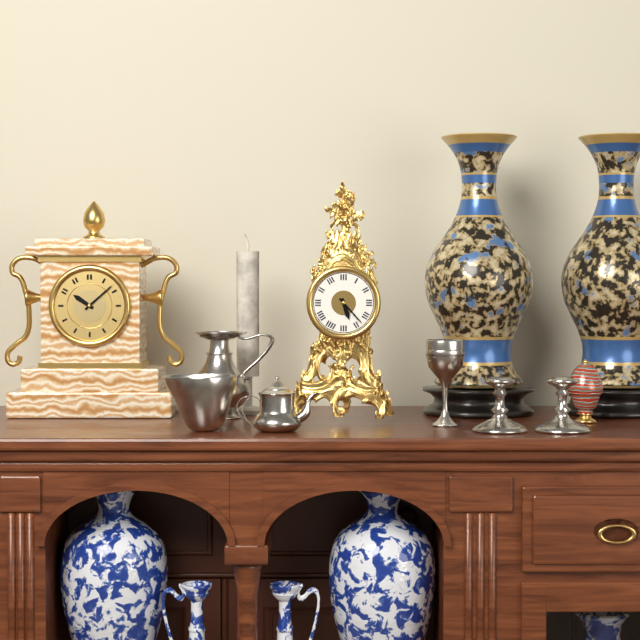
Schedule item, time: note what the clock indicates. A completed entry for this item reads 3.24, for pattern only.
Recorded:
5.23
